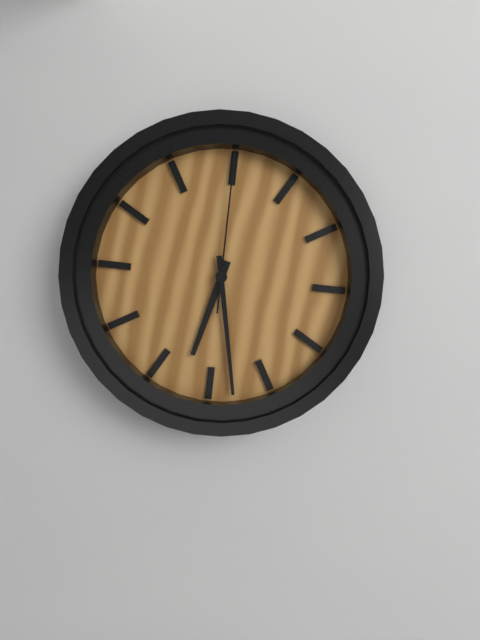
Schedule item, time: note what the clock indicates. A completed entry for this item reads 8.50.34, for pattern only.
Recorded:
6.28.00
